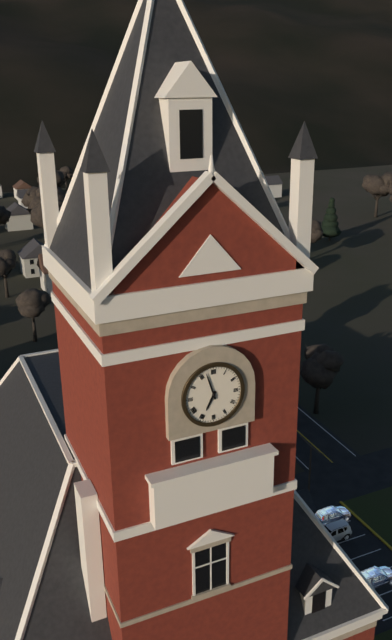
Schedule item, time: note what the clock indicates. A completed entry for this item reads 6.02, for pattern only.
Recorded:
6.57
